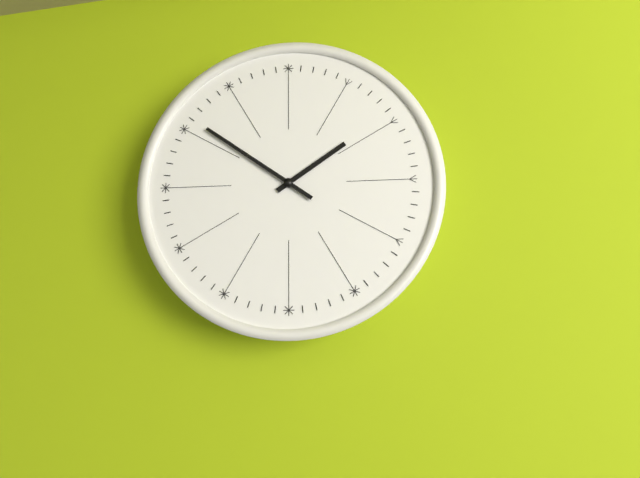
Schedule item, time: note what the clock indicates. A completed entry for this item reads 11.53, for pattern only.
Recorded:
1.51
